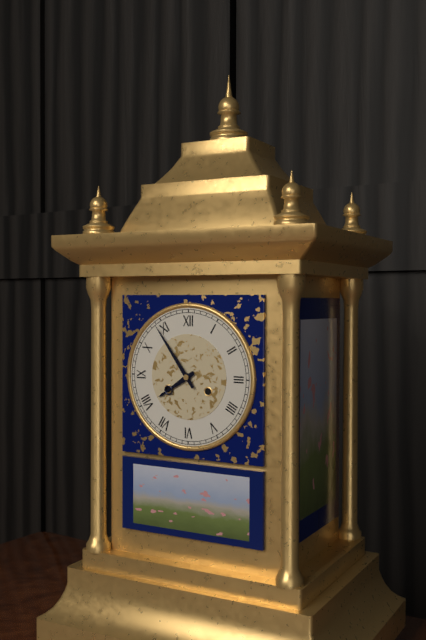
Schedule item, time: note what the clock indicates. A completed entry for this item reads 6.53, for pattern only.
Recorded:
7.54
